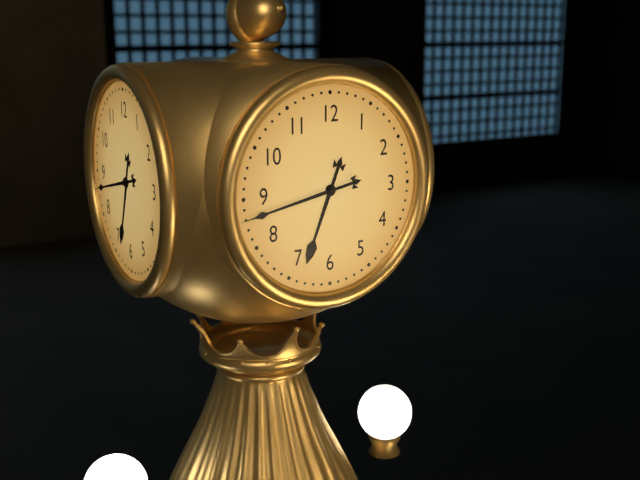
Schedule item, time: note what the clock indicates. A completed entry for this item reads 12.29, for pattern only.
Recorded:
6.43
